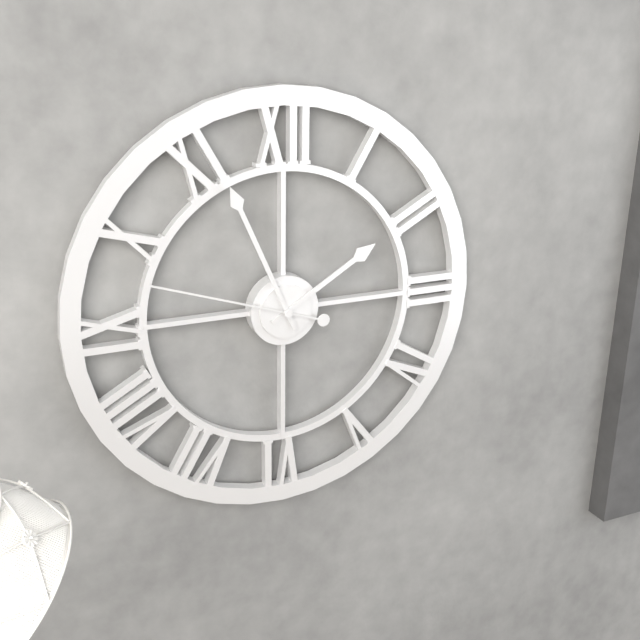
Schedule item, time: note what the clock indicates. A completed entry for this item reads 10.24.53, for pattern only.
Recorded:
1.56.48
